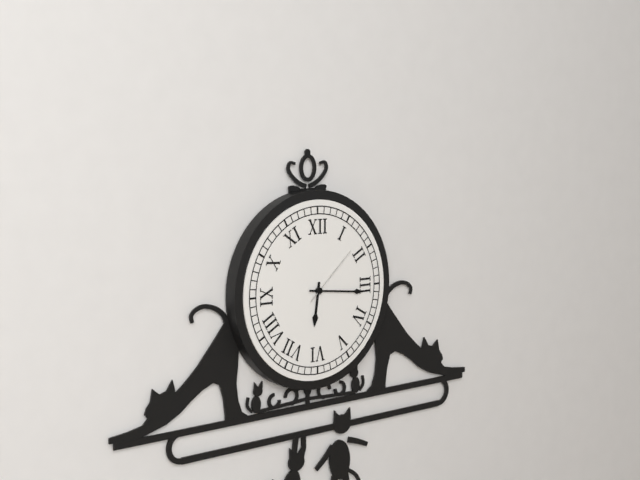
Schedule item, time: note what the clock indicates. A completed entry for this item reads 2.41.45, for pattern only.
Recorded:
6.16.08
